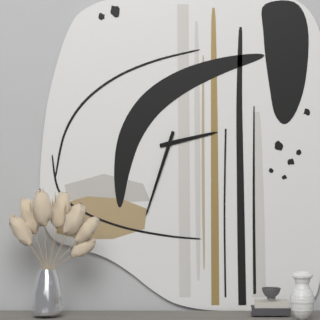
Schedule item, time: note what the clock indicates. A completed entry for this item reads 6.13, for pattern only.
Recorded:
2.33
